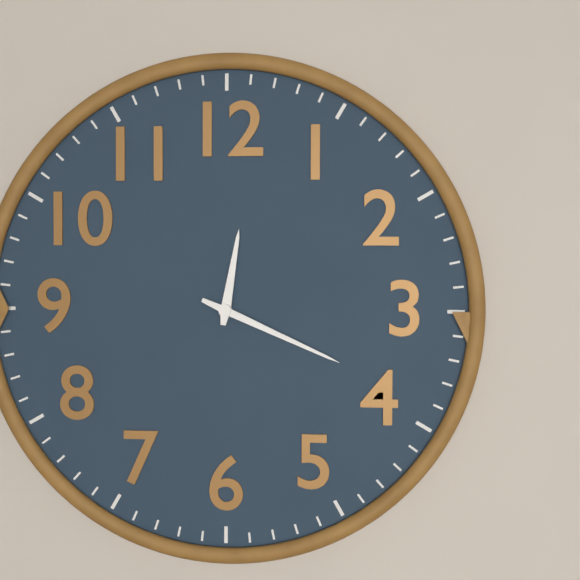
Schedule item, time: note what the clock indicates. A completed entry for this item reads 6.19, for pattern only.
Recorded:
12.19
